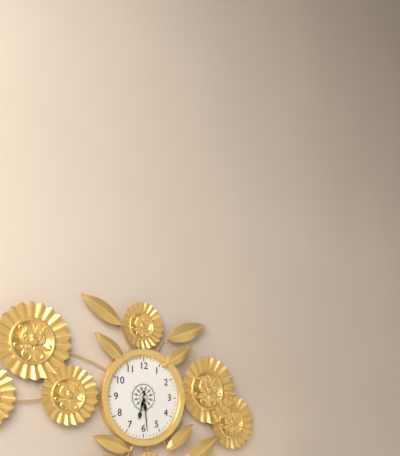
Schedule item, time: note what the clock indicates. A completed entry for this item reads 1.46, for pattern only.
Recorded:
6.29
